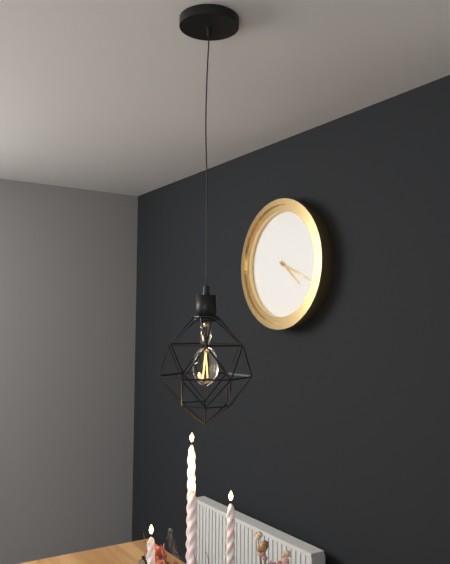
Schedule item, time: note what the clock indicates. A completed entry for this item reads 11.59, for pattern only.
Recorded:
4.19
